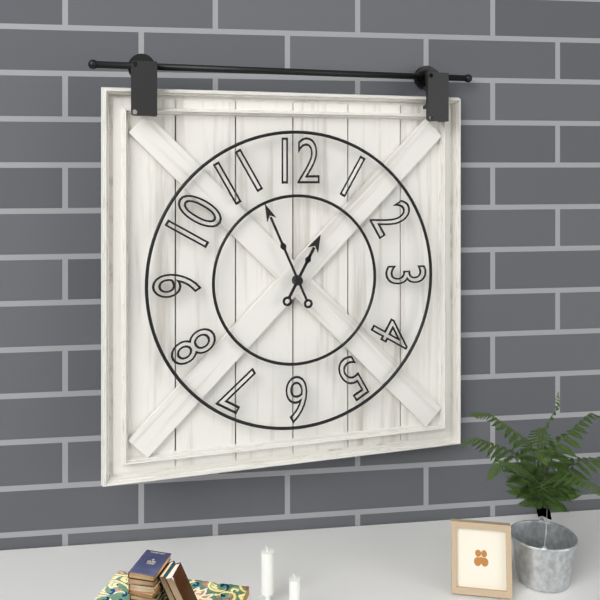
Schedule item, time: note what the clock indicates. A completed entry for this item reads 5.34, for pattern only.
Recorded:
12.56
